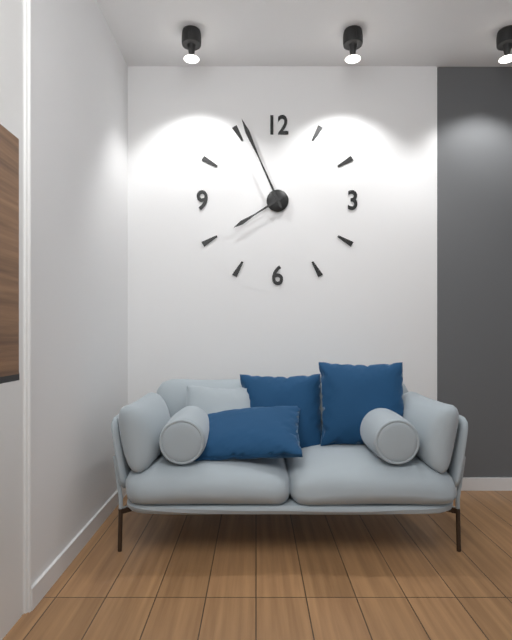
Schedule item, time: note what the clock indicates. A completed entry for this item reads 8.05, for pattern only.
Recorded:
7.56
